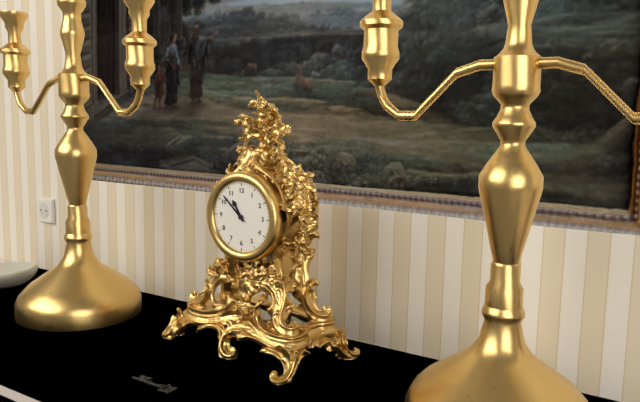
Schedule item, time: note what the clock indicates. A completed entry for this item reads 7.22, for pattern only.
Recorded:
10.52
